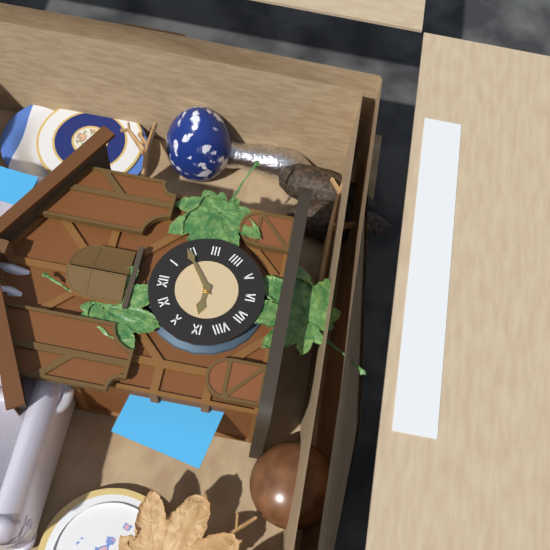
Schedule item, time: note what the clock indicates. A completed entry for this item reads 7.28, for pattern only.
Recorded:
9.09
